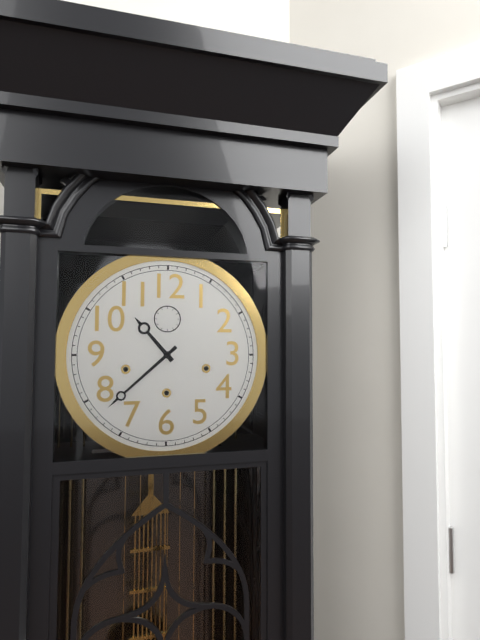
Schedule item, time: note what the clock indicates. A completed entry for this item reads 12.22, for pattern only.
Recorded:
10.38
